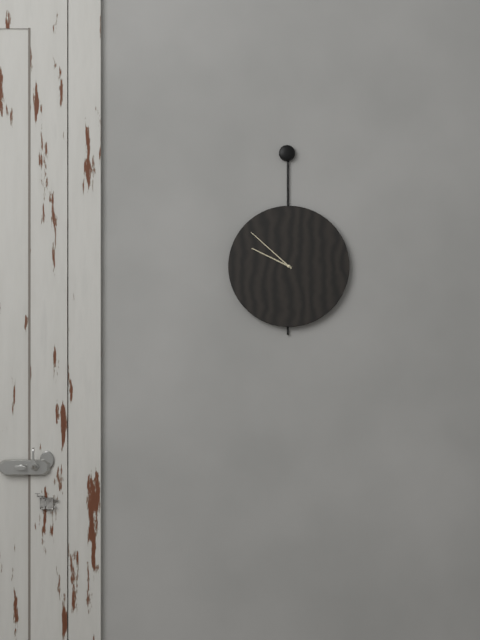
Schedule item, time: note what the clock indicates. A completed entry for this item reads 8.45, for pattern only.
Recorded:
9.52
